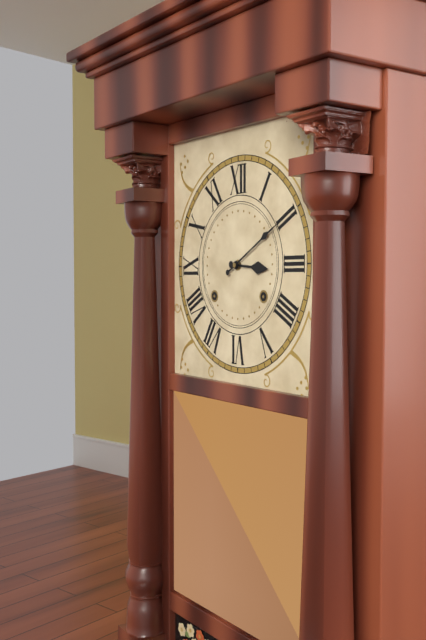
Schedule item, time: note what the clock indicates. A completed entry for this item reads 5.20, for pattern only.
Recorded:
3.10
